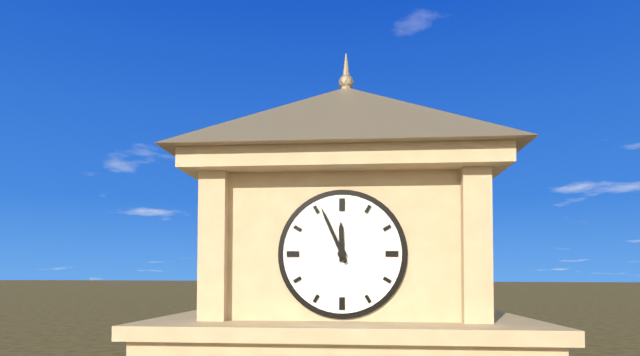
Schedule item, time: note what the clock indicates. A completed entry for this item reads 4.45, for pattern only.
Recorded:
11.56
